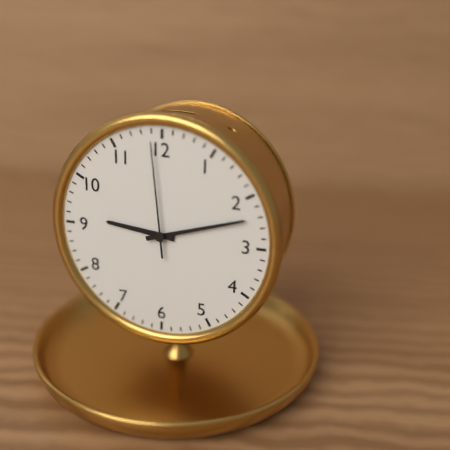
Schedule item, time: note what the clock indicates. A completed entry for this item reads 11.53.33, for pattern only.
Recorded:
9.12.59
